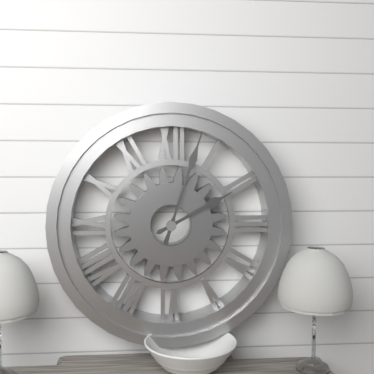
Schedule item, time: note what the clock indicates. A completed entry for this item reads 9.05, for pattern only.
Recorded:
2.03
